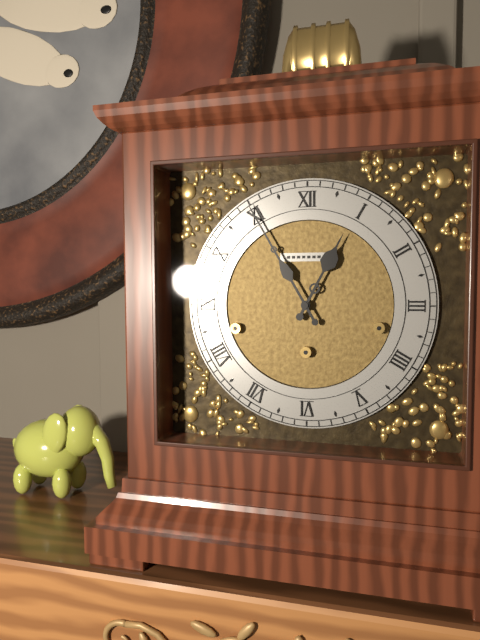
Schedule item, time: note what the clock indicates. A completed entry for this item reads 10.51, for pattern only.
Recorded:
12.55
